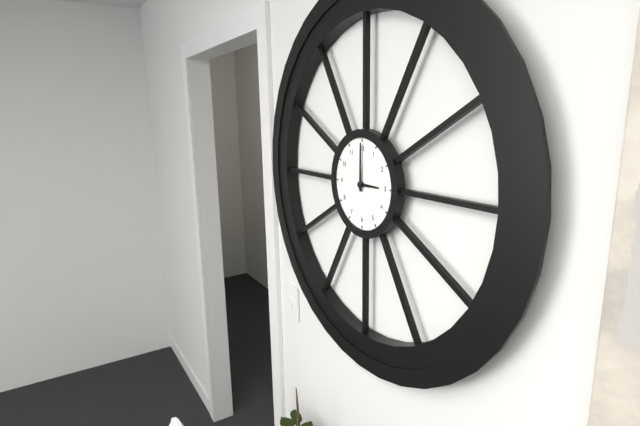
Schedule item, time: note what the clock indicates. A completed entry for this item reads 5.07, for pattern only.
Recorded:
3.00
